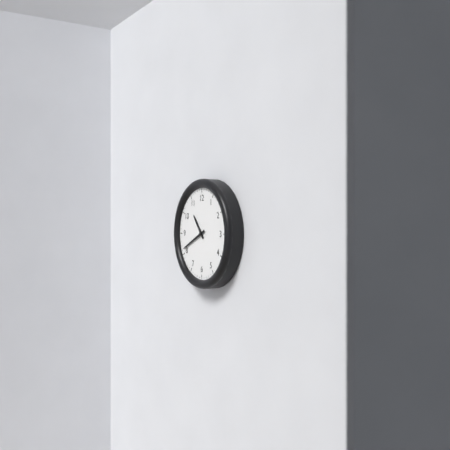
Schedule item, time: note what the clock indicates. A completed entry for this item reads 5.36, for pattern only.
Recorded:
10.41
